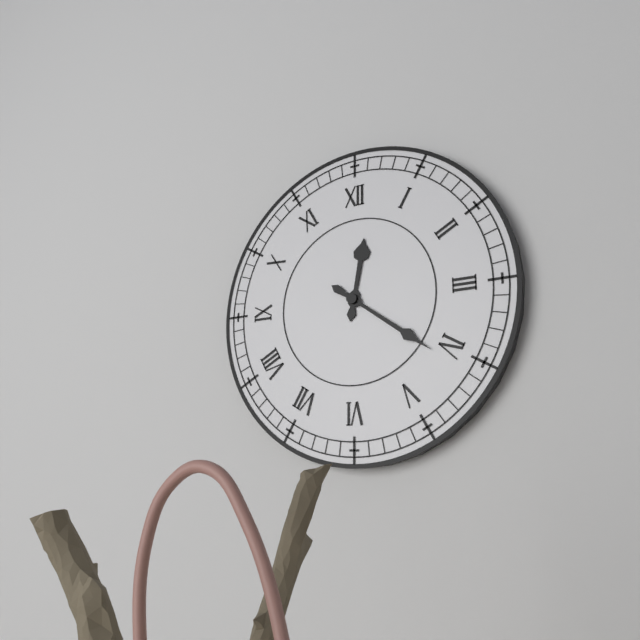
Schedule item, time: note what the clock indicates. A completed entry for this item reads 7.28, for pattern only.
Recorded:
12.21
